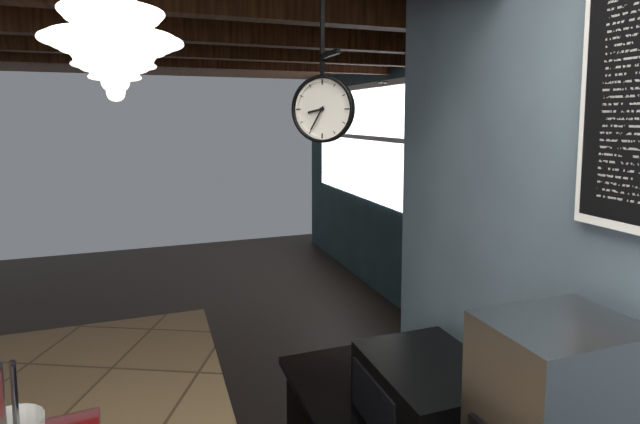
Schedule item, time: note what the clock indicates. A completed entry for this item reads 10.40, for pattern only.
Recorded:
8.35
